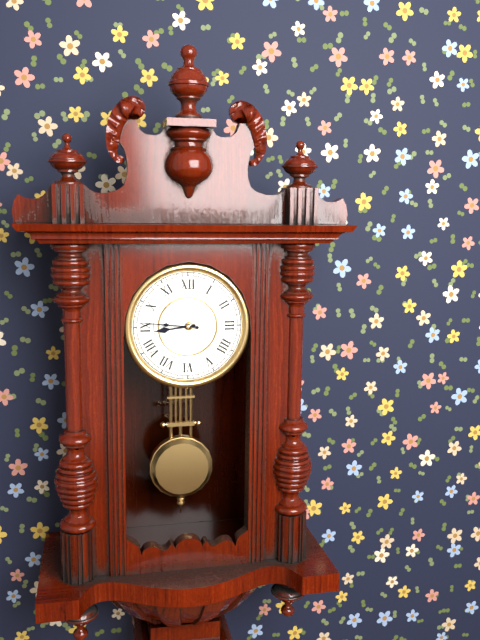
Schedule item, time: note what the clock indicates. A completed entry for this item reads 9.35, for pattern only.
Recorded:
8.46
